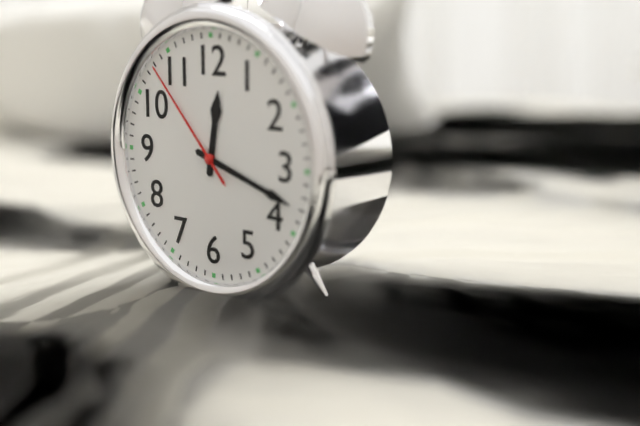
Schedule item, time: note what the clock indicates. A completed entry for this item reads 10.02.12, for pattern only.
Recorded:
12.18.53
